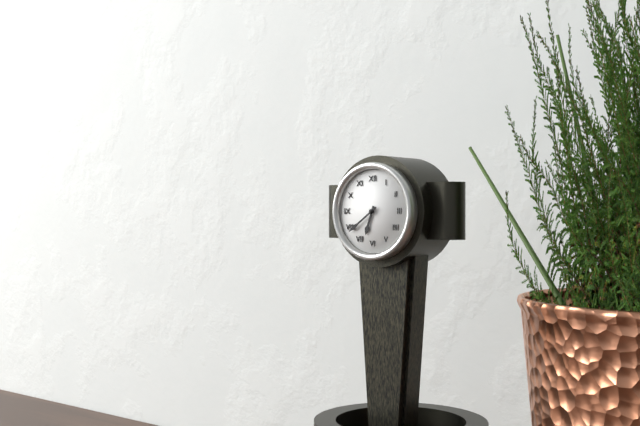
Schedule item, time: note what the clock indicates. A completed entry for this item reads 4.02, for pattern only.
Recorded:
6.39
